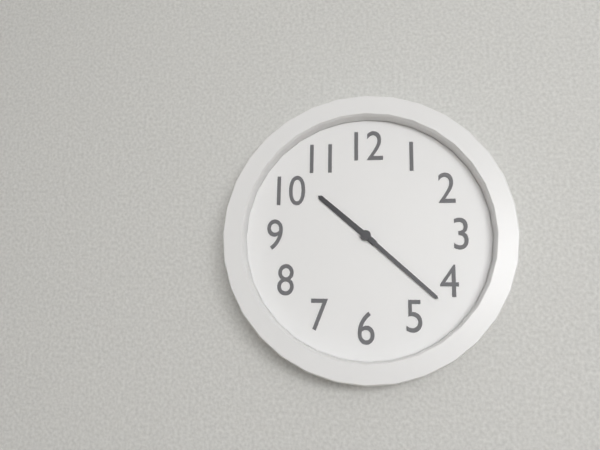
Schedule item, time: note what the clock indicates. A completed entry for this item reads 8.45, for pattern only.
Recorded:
10.22
